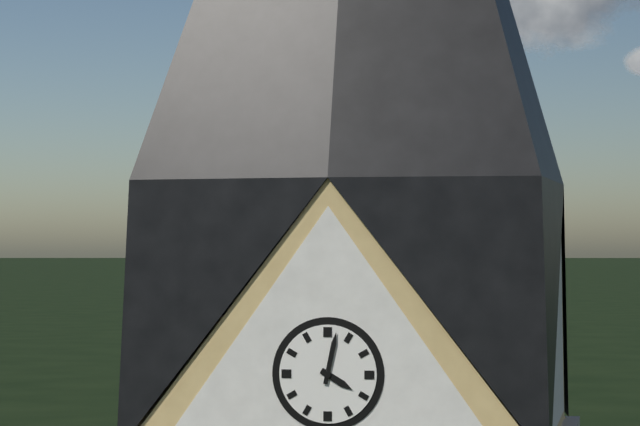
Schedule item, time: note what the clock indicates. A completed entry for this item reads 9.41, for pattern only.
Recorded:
4.02
